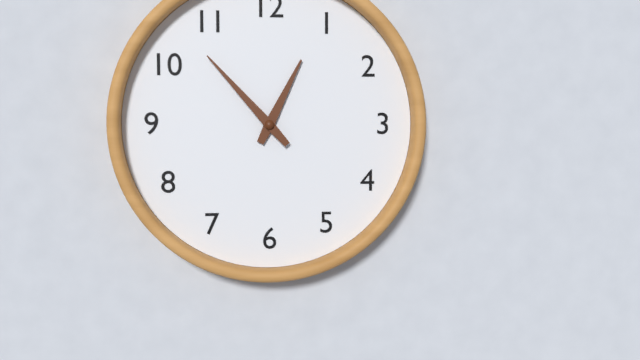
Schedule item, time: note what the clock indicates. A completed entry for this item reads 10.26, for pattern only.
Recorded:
12.53
